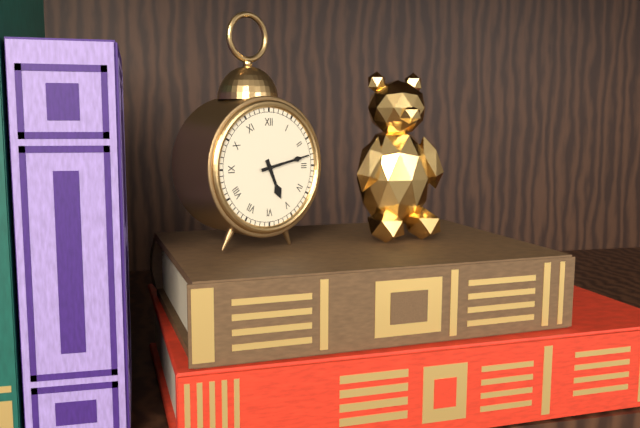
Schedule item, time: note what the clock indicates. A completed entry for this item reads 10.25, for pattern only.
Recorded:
5.13
